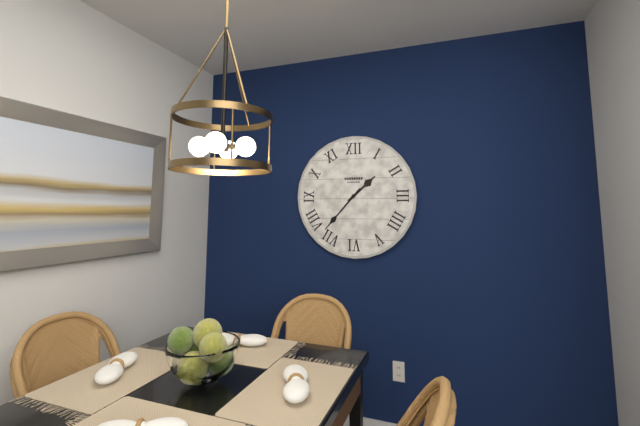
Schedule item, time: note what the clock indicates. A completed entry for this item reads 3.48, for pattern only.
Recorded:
1.37
